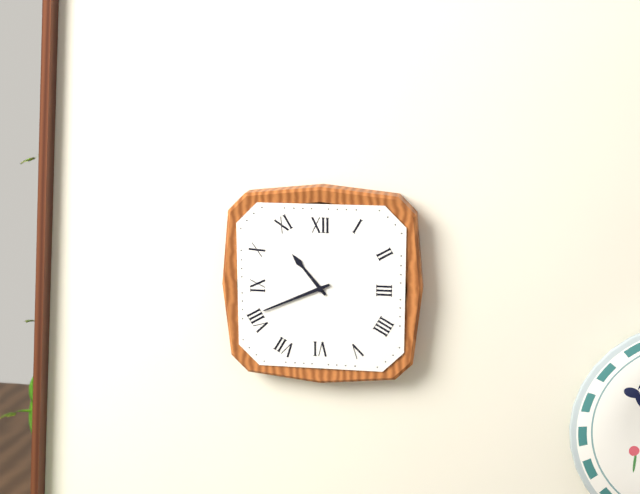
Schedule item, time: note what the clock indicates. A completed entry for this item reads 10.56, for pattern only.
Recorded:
10.41
